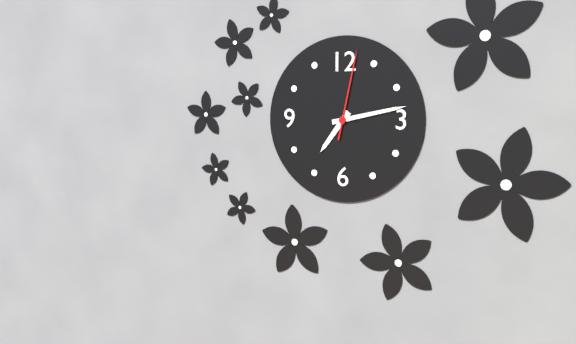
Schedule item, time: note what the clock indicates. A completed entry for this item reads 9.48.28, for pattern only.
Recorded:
7.13.02
